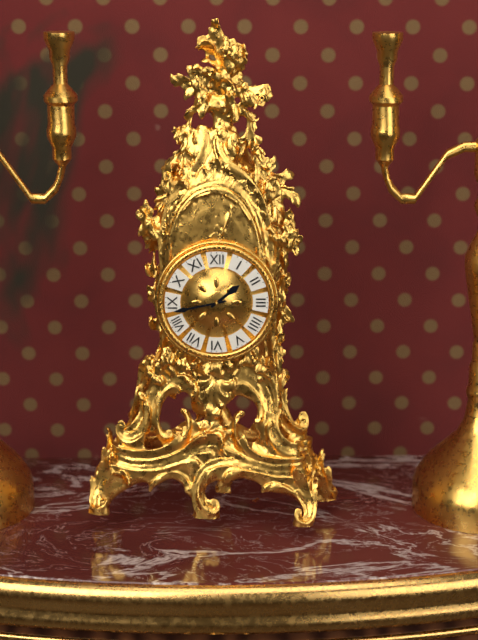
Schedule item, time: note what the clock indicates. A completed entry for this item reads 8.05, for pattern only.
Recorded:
1.43
